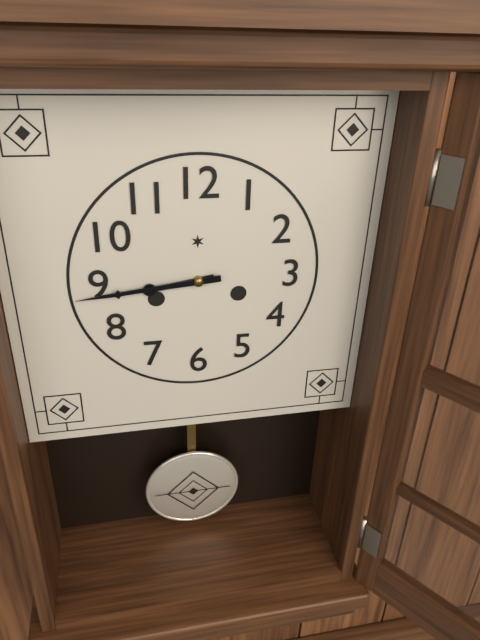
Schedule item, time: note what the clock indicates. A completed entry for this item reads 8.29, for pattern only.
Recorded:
8.44
